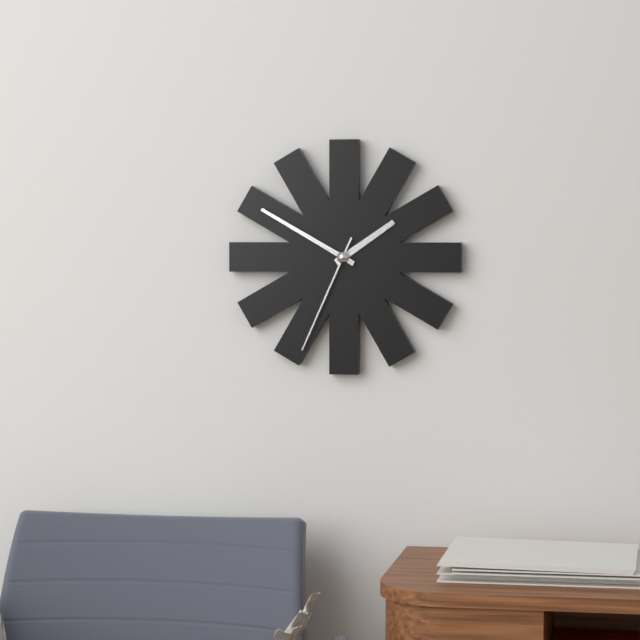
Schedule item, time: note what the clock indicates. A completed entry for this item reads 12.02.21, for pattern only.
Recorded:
1.50.34
